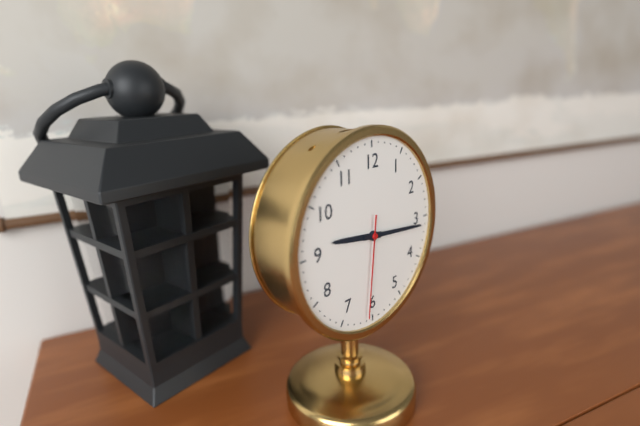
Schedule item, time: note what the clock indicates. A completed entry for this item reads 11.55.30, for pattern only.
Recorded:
9.16.31
